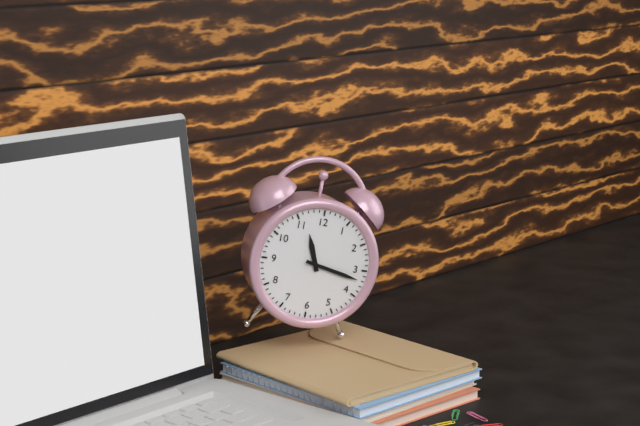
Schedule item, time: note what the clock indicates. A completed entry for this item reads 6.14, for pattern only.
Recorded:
11.17
